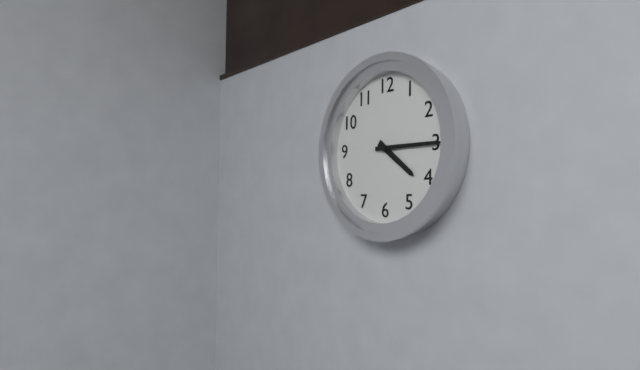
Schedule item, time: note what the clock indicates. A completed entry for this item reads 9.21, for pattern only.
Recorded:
4.15
